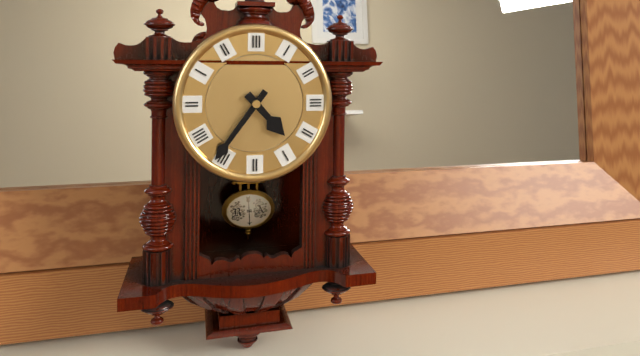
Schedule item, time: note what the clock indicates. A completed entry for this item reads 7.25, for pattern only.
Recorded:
4.36
